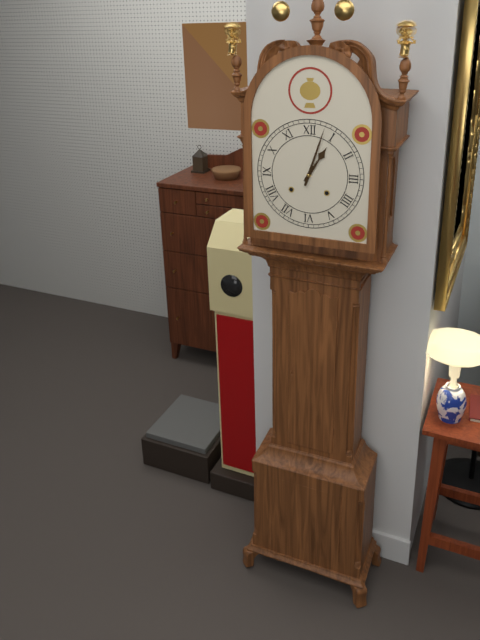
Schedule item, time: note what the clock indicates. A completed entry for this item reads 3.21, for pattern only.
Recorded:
1.03
